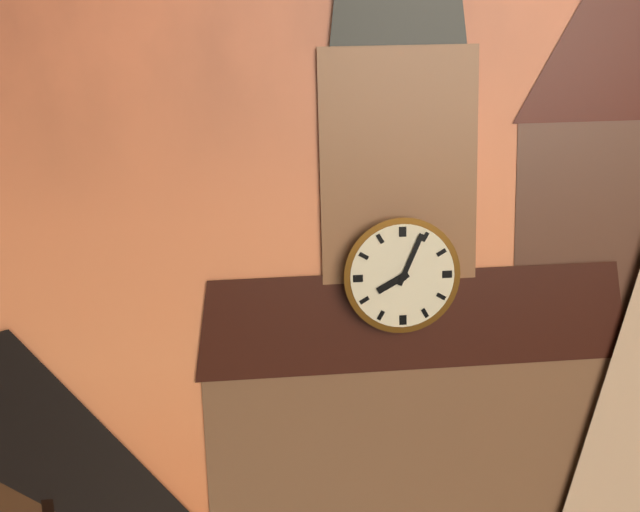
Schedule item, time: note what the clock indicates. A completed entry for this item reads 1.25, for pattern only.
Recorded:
8.04
